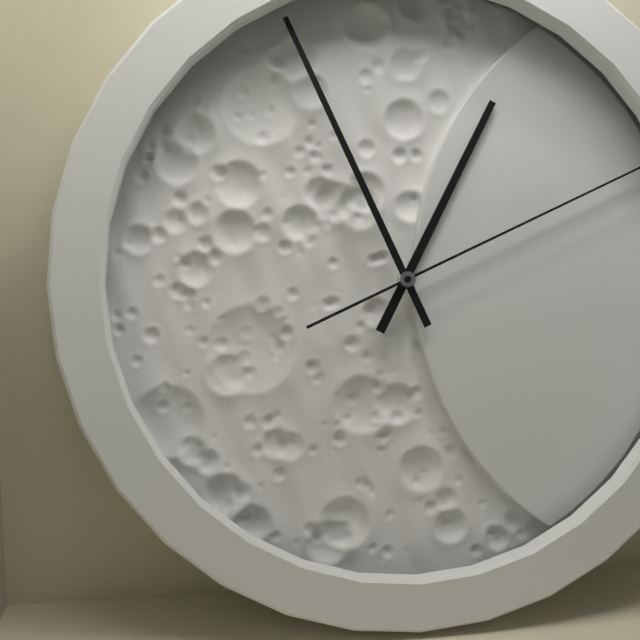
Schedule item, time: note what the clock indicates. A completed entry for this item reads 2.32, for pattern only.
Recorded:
12.56
